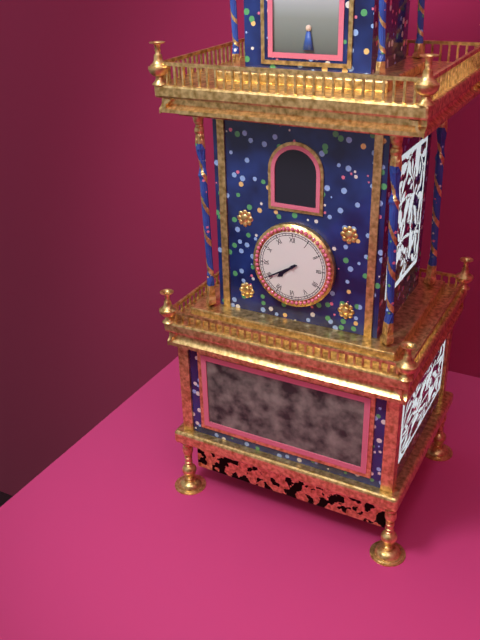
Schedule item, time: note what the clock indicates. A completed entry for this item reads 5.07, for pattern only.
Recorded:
7.40
